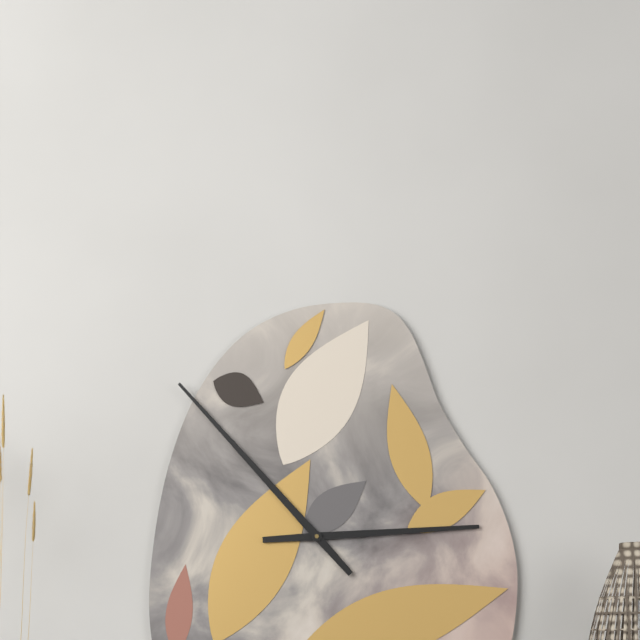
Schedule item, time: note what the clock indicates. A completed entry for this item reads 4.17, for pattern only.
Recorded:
2.53
